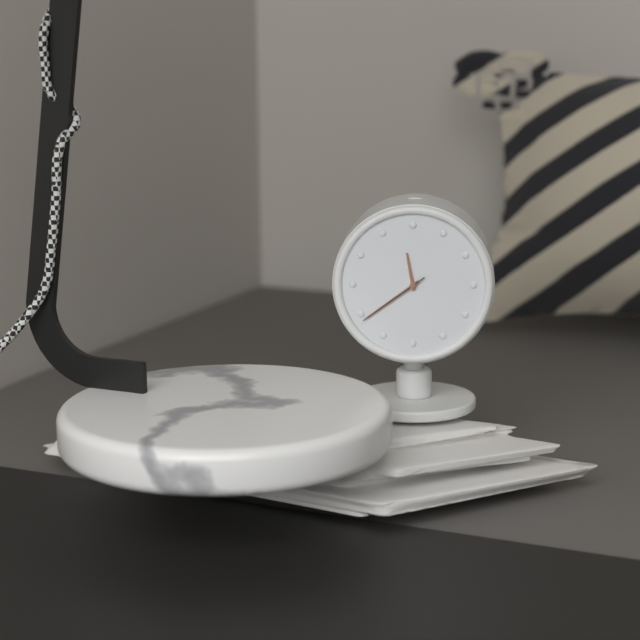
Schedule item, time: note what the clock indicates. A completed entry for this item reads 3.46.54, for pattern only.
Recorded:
11.39.39
